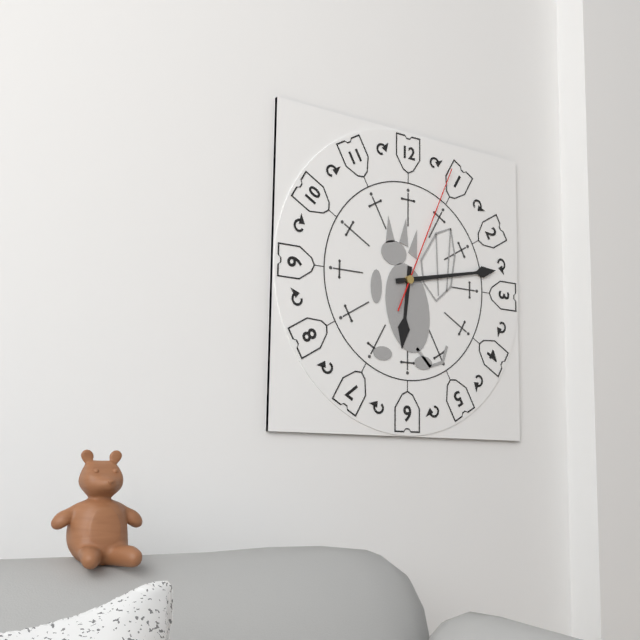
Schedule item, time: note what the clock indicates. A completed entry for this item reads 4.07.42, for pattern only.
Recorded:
6.13.04
